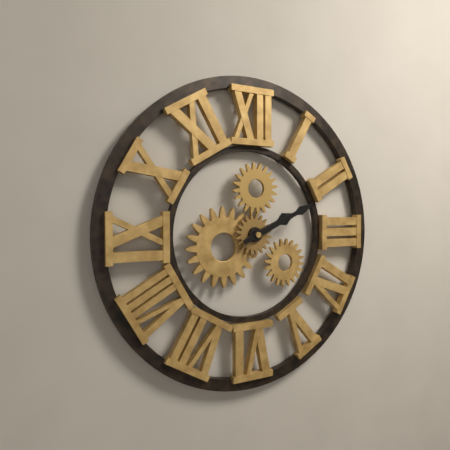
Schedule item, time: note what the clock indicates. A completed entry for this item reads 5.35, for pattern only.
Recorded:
2.11
